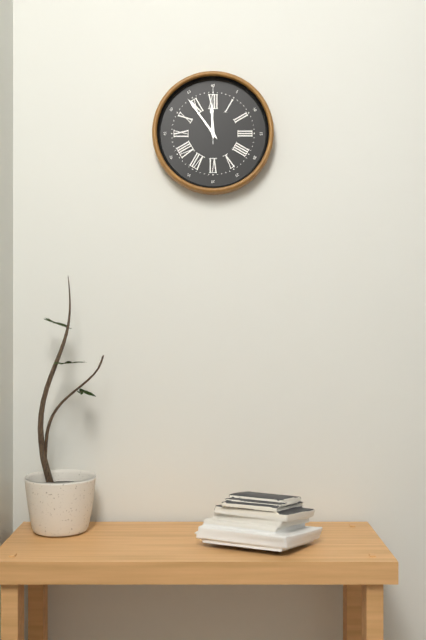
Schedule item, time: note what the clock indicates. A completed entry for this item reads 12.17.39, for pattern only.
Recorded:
11.54.00
